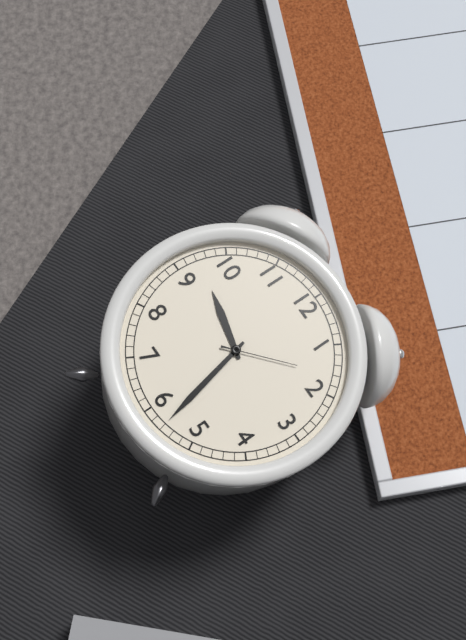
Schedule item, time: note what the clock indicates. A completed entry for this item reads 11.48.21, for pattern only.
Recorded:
9.28.08
